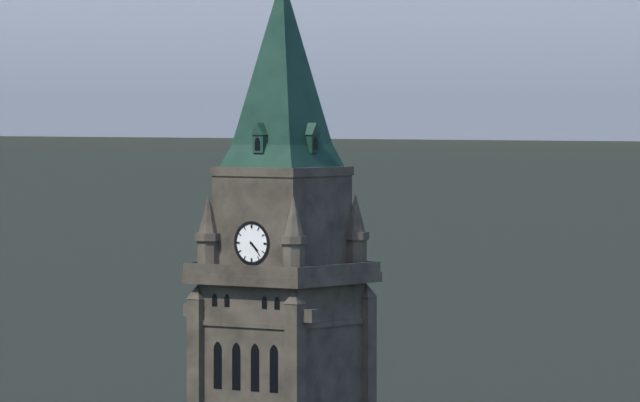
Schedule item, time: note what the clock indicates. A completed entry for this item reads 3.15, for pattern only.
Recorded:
4.23
